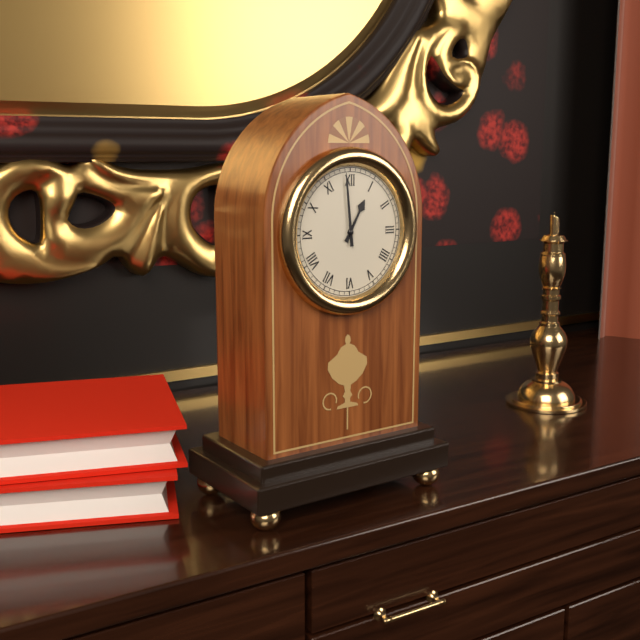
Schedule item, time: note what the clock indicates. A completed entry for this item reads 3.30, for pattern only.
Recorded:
12.59
